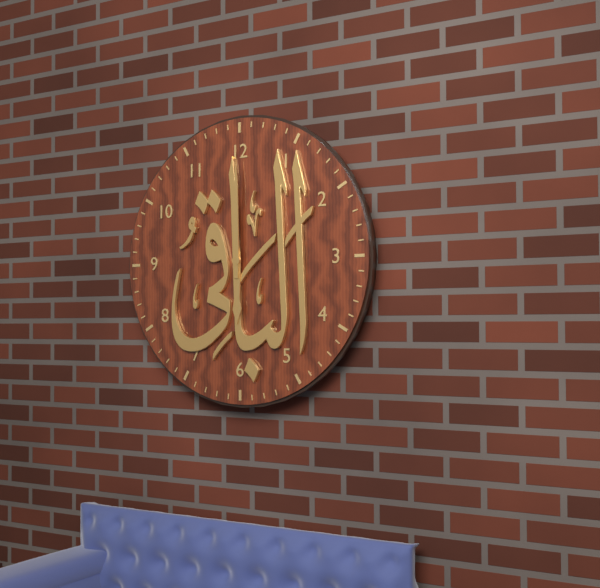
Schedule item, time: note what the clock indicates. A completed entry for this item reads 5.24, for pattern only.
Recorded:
6.00
